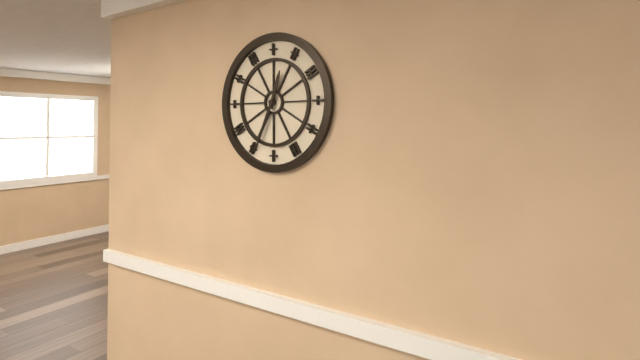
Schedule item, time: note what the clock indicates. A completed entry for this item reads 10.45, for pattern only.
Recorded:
12.34
